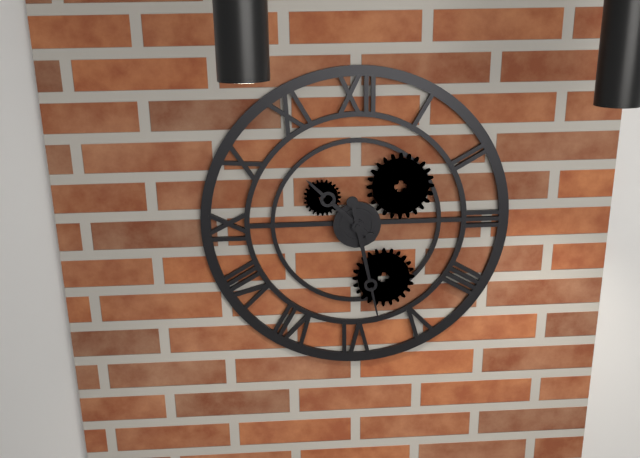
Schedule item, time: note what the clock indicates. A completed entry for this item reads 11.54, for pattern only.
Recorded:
10.28
